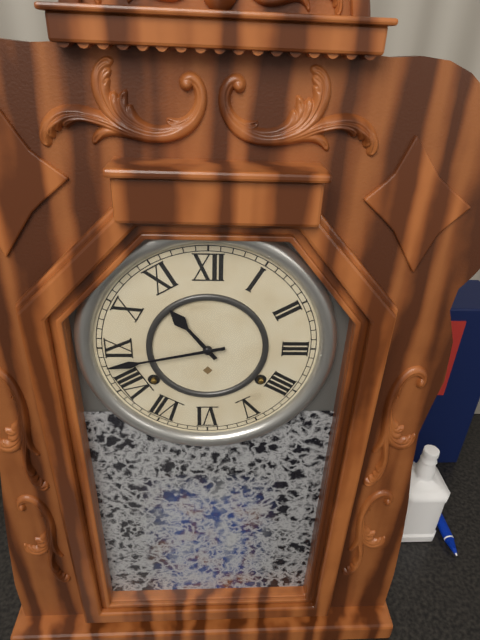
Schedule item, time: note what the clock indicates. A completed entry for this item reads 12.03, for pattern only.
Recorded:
10.43
